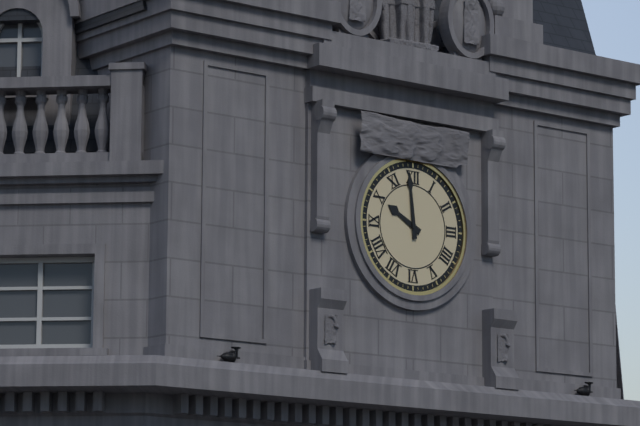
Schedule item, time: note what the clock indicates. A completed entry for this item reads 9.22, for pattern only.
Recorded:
9.59
